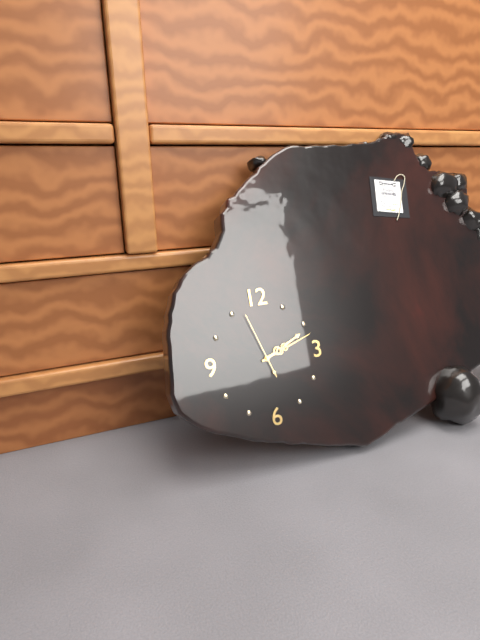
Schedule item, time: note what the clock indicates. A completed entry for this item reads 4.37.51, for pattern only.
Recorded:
2.12.57
